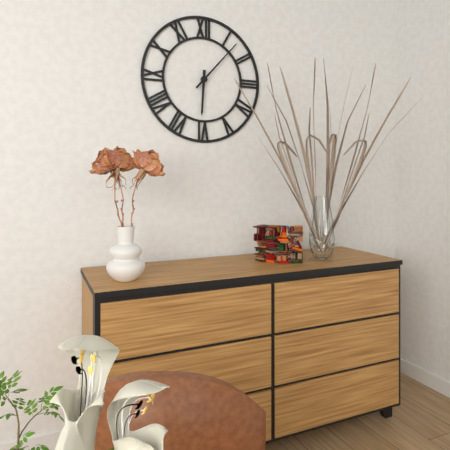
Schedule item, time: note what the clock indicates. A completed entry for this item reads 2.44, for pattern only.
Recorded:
6.07
